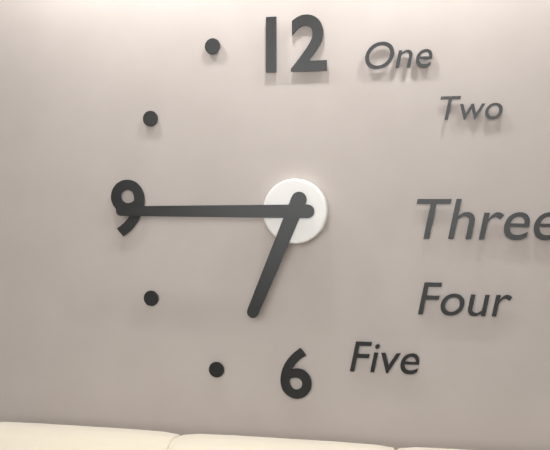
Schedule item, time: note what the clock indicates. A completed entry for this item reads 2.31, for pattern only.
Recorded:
6.45
